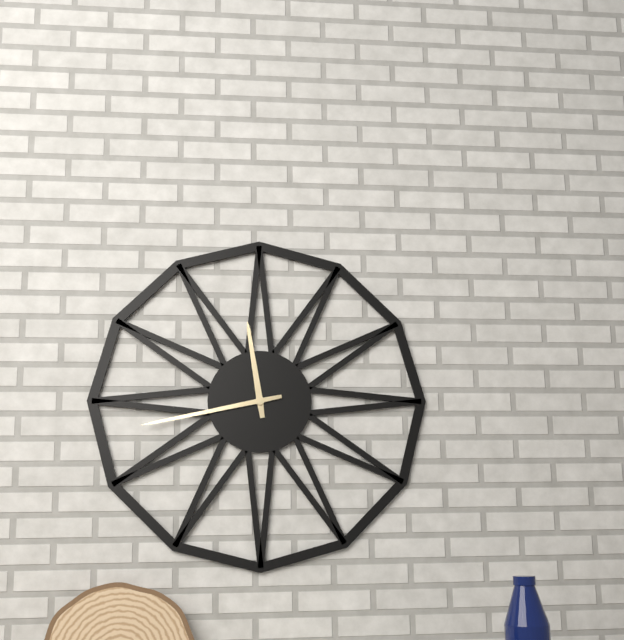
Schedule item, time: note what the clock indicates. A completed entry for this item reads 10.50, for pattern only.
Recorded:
11.43
